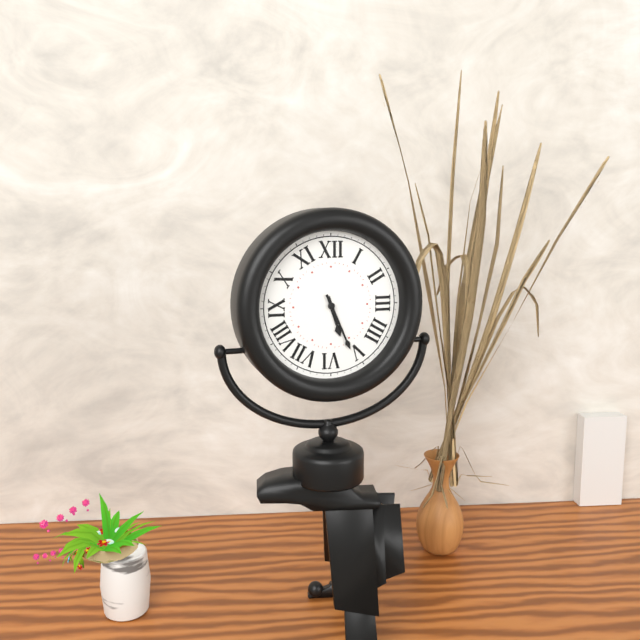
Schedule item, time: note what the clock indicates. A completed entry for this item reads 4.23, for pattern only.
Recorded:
5.26
